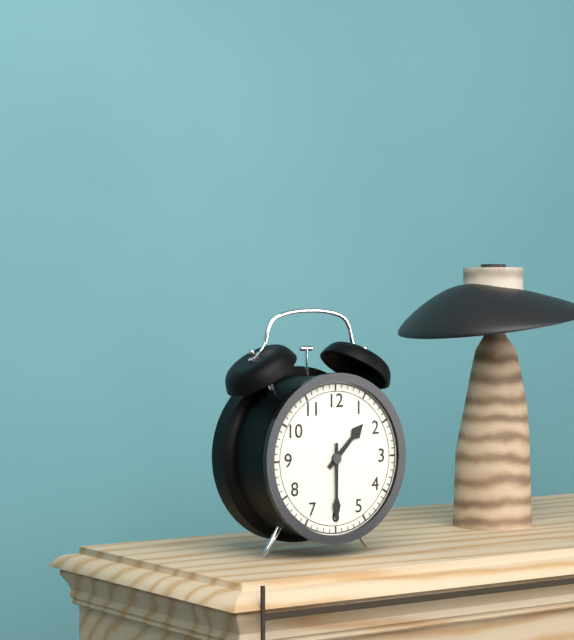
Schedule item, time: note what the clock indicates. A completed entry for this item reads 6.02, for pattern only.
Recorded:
1.30
